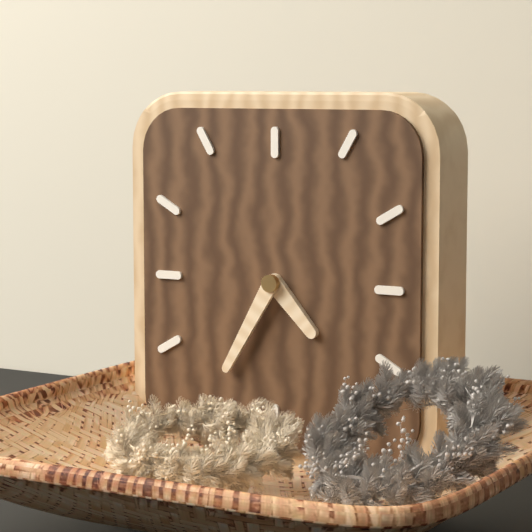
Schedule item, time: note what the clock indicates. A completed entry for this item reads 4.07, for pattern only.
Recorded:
4.35
